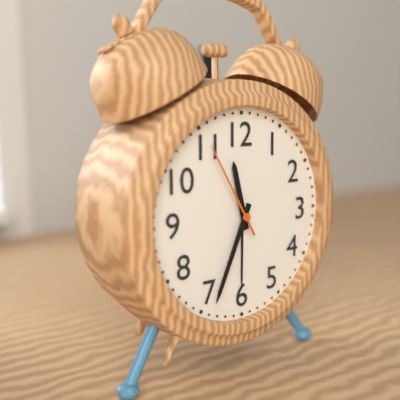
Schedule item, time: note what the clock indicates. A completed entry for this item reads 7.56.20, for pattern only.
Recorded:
11.34.55
